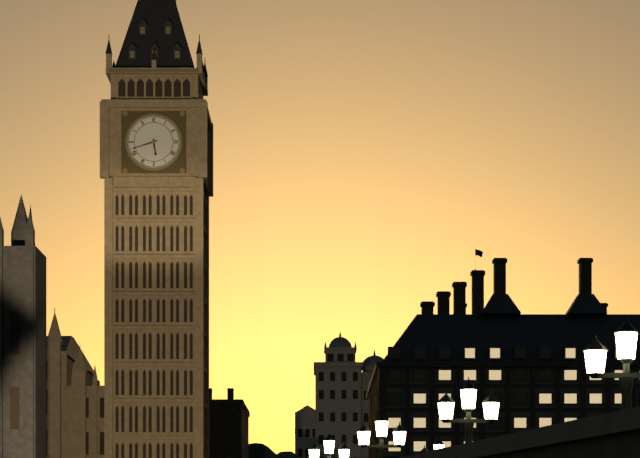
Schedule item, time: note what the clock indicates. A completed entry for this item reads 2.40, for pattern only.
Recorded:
5.42
